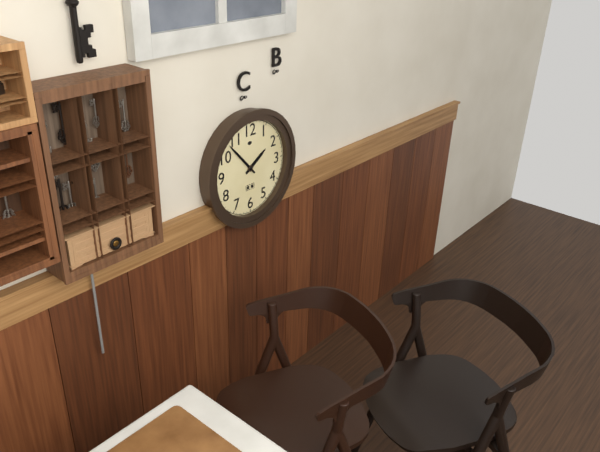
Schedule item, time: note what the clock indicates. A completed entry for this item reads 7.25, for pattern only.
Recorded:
1.53
